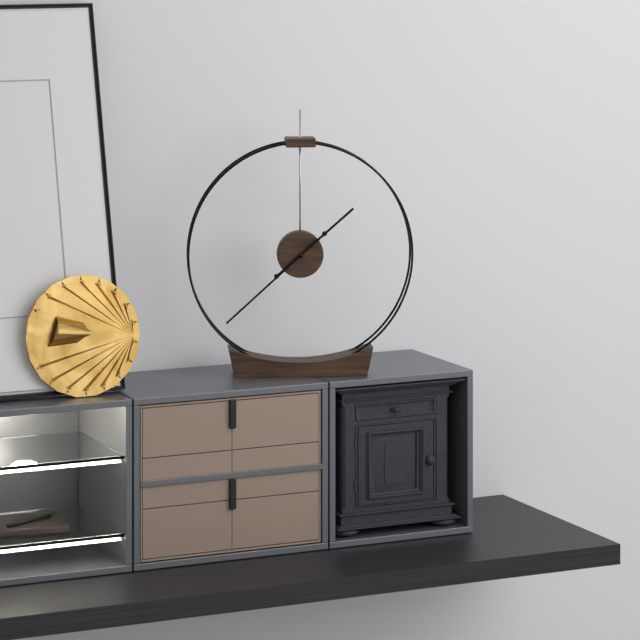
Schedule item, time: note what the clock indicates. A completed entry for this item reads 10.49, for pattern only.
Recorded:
1.38
